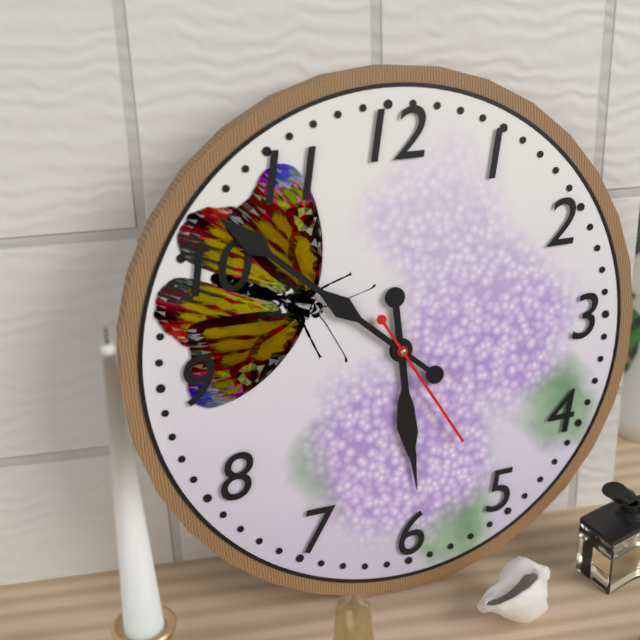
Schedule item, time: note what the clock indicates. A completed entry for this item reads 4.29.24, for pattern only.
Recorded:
5.52.25
